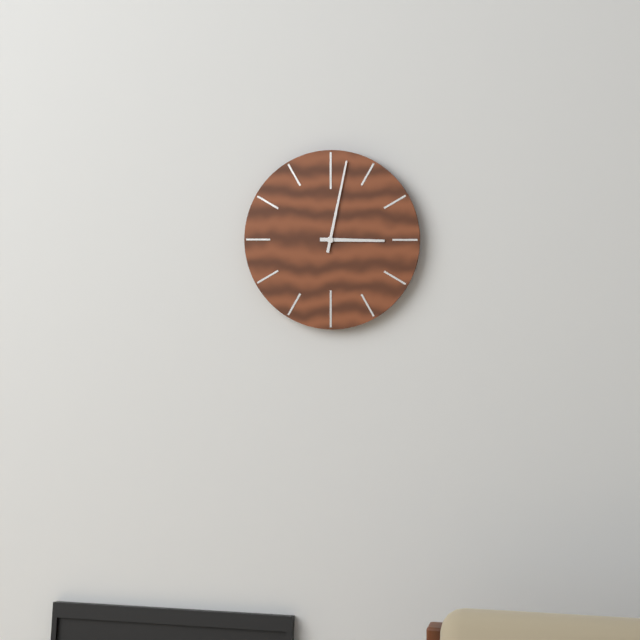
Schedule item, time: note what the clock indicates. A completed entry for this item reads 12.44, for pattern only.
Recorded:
3.02
